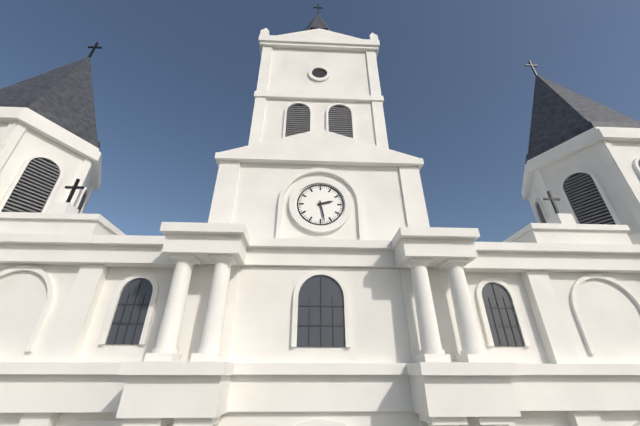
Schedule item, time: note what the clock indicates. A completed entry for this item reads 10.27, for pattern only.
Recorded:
2.28
